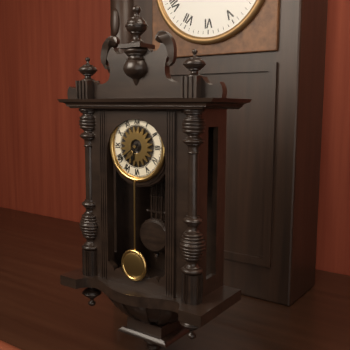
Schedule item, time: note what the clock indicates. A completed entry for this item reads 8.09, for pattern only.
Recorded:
6.39
